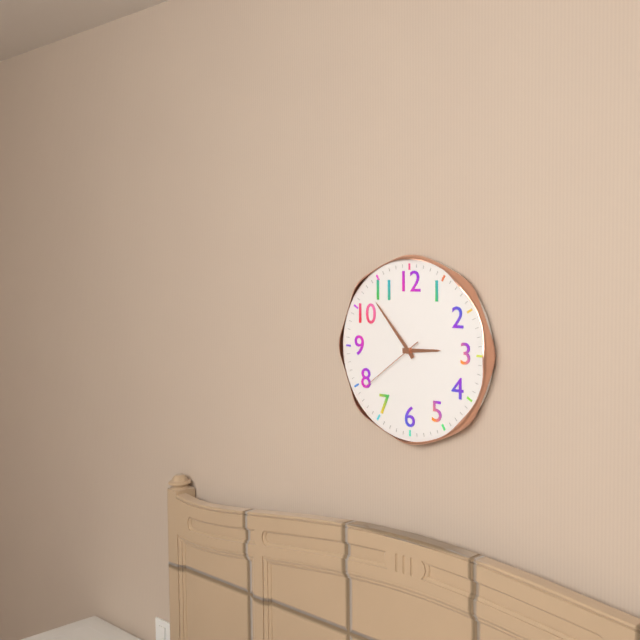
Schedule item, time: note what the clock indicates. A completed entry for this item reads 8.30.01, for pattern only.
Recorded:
2.53.39
